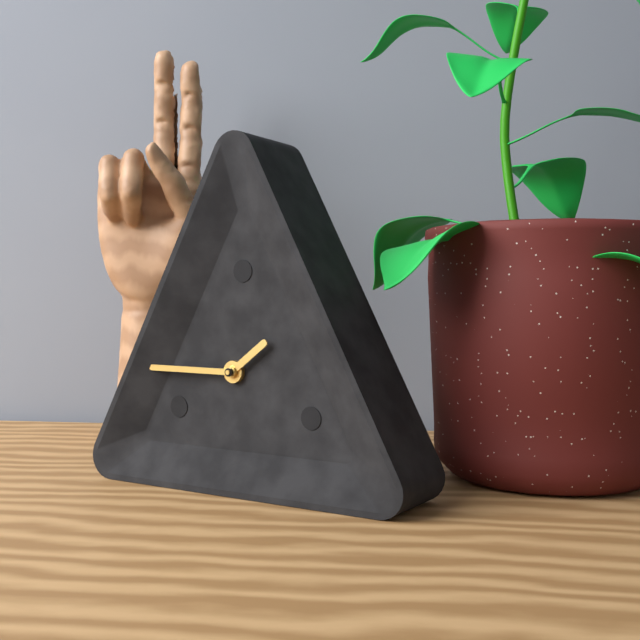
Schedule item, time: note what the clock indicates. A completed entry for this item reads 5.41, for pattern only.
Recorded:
1.45
